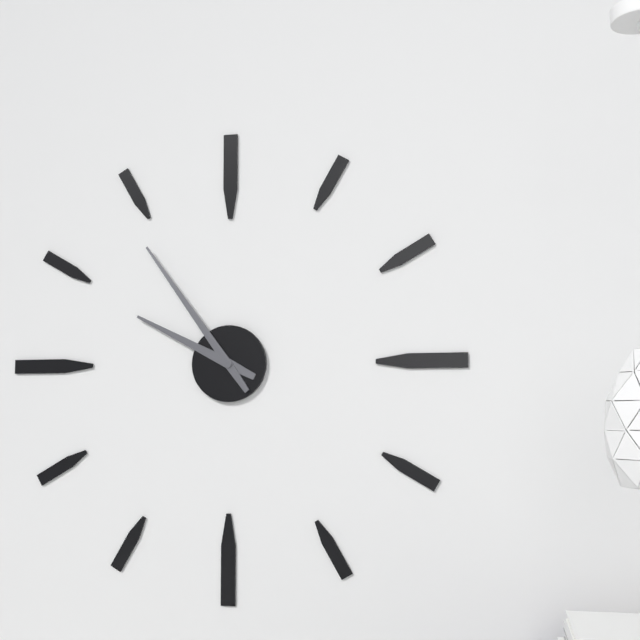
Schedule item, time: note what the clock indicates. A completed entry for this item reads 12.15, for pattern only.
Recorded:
9.54
